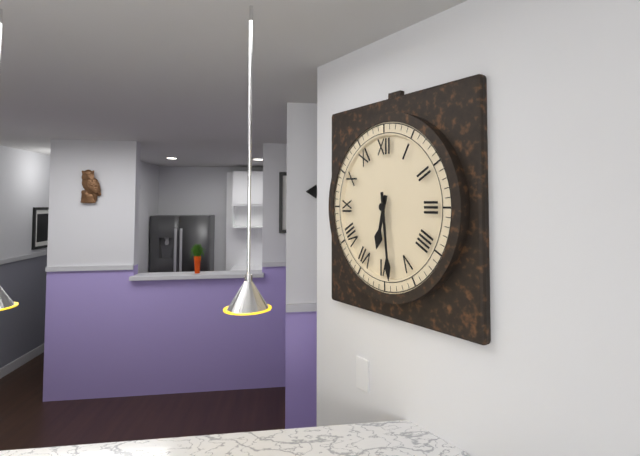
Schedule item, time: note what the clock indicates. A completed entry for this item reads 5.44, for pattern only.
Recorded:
6.29
